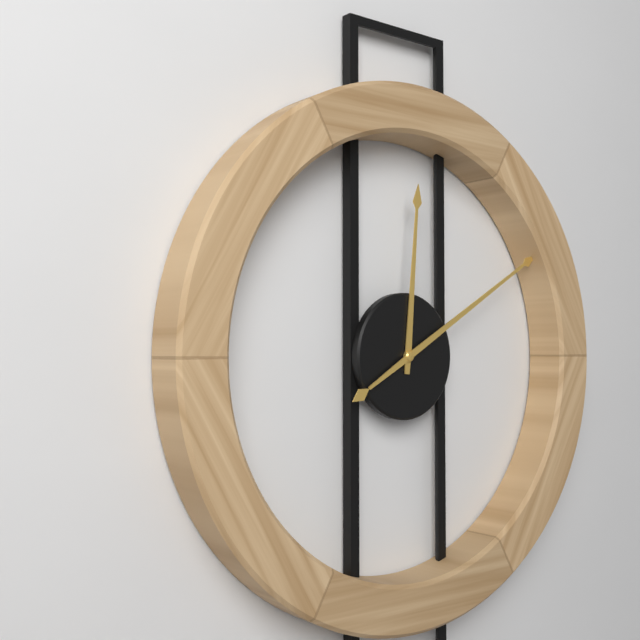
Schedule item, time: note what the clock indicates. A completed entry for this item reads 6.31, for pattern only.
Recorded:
12.10
